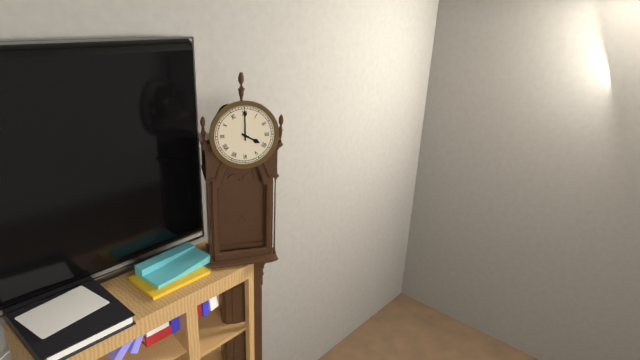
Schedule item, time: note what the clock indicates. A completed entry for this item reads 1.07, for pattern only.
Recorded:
4.00
